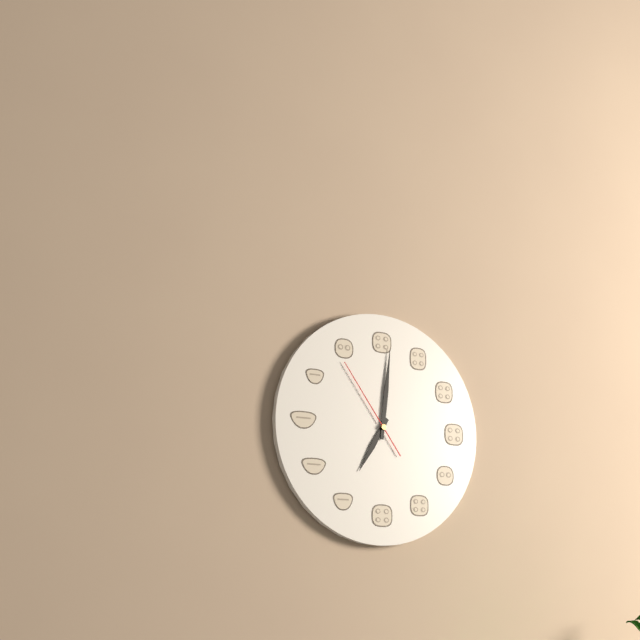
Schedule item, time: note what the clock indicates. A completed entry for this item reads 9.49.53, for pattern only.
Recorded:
7.01.54
